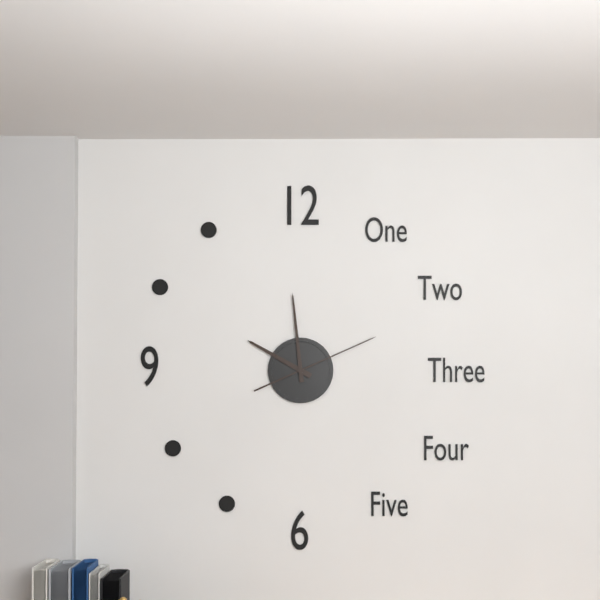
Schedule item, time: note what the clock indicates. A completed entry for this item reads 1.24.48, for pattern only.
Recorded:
9.59.11
